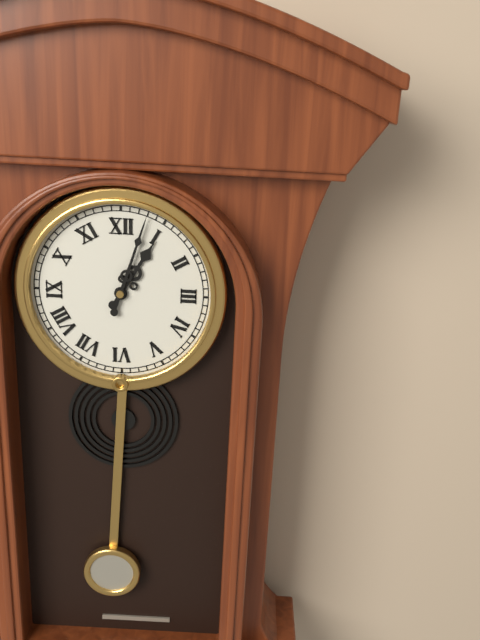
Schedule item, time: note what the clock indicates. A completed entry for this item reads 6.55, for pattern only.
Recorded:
1.03
